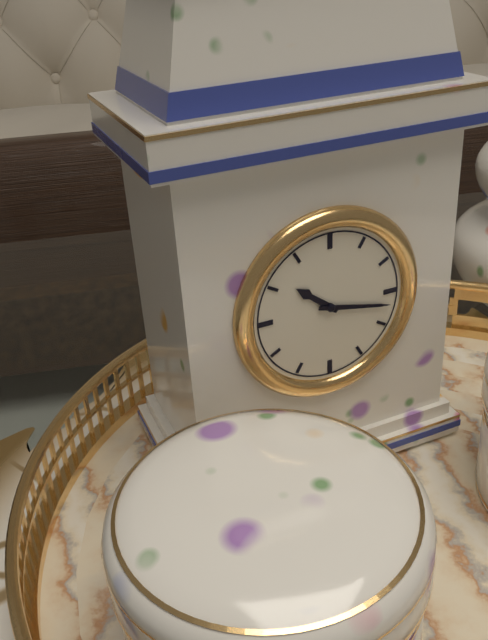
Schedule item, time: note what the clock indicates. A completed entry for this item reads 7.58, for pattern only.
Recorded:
10.17
